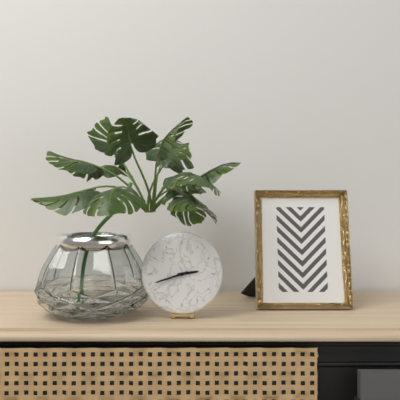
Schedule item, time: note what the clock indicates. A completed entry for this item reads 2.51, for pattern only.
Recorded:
2.42
